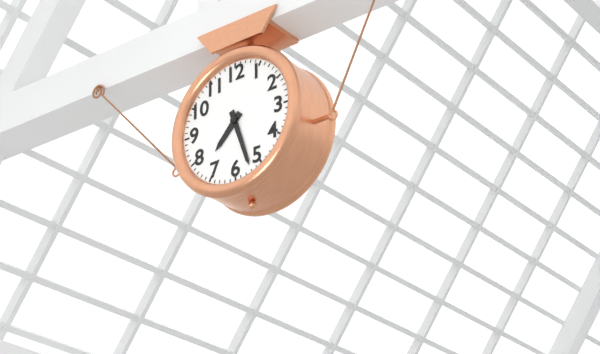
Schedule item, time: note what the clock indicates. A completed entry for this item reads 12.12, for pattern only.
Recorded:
7.27
